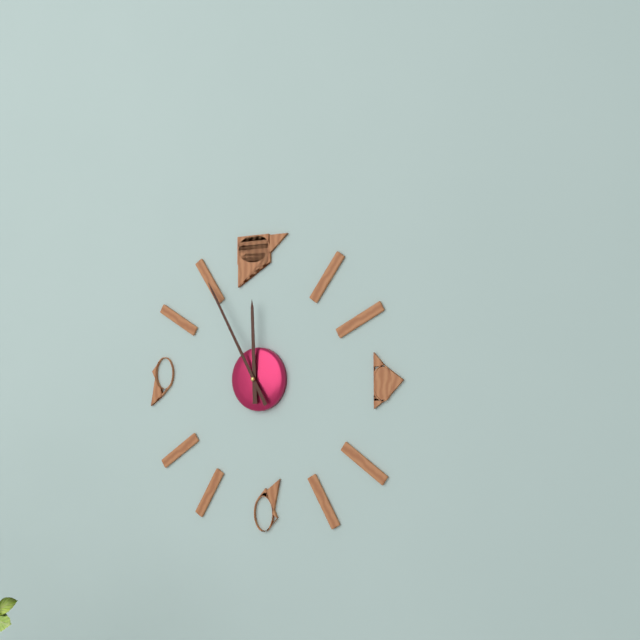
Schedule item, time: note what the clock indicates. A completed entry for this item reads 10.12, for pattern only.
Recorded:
11.55
